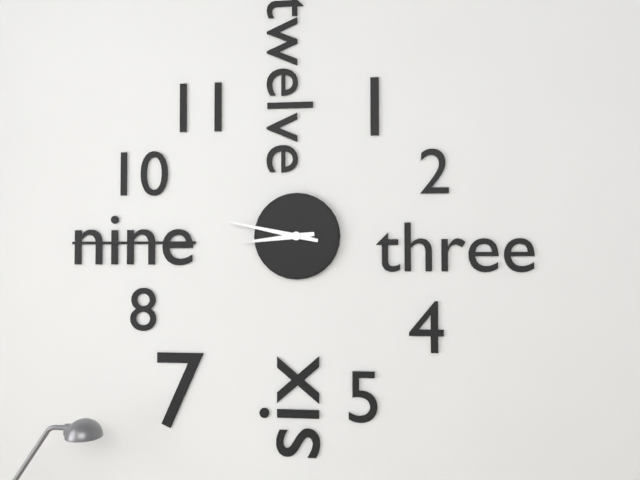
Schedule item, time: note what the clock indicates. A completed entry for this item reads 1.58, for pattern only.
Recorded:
8.47
